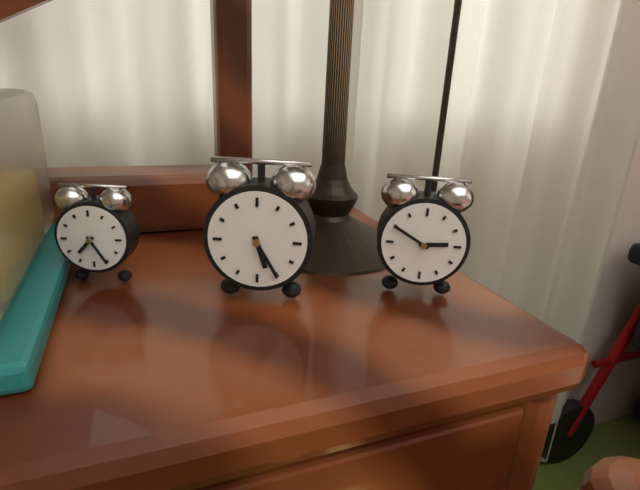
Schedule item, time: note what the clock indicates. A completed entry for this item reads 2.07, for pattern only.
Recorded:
5.25
